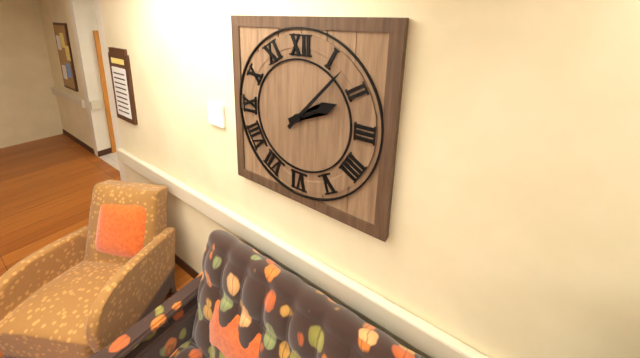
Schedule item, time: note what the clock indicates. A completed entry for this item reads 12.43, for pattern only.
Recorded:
2.07
